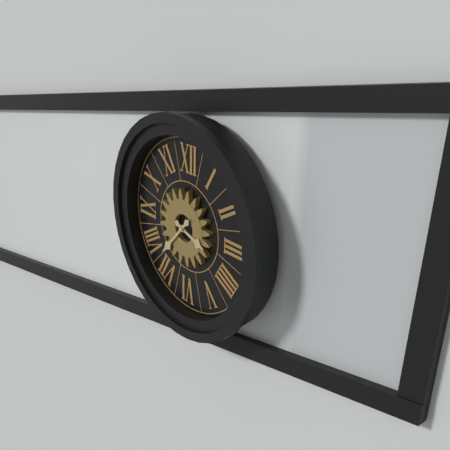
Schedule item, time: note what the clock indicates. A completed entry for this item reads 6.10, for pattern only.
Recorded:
3.37
